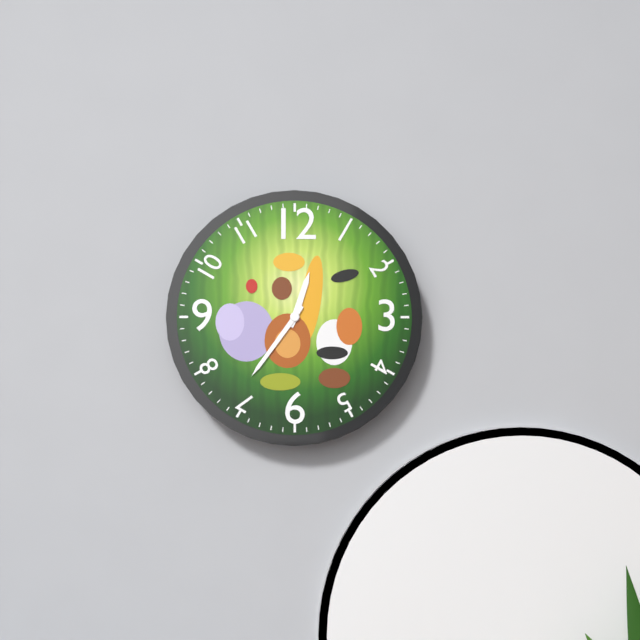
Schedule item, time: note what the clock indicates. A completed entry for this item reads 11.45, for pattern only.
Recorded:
12.36
